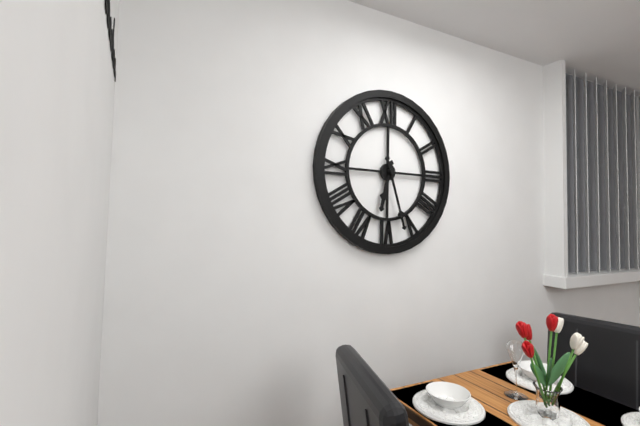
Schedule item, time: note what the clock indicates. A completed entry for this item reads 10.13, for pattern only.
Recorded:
6.27
